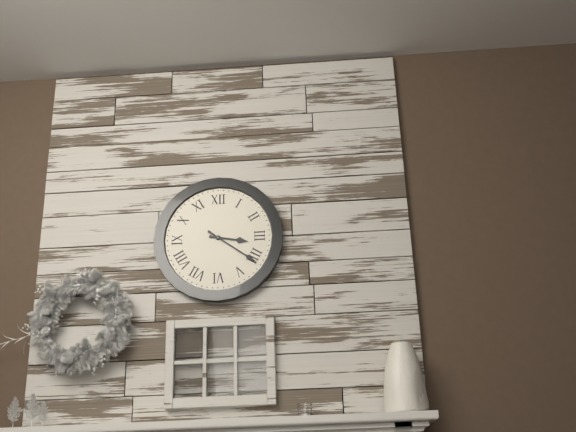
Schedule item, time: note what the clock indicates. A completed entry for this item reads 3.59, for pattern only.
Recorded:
3.21
